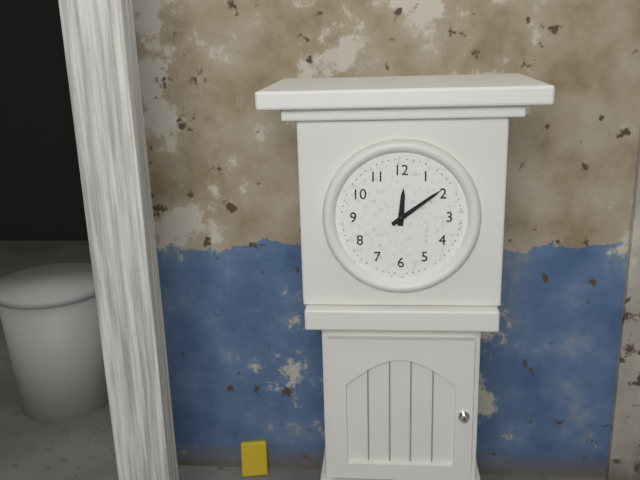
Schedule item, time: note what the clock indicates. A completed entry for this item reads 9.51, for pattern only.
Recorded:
12.09
